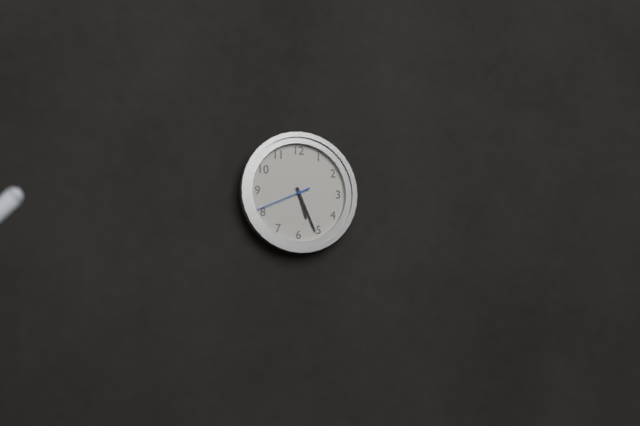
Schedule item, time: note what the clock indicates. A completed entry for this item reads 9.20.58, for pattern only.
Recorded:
5.26.41
